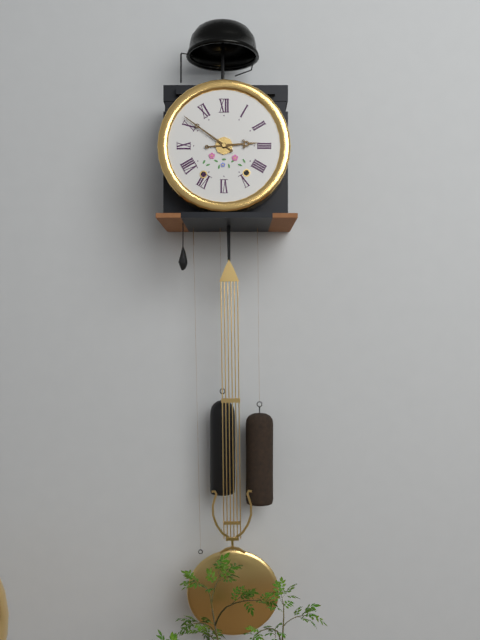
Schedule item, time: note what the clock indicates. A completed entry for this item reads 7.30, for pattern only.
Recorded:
2.51
